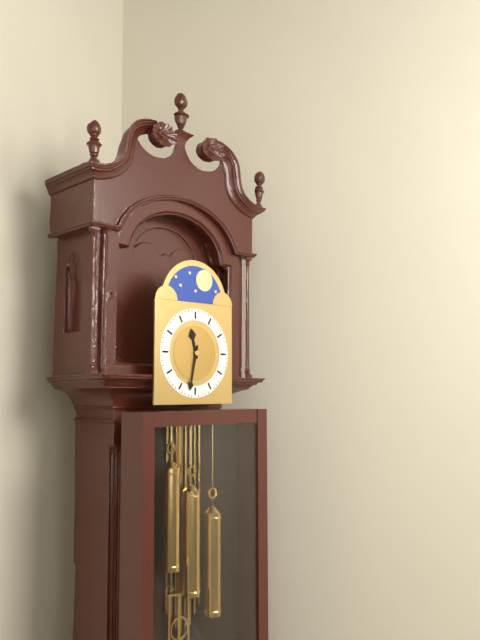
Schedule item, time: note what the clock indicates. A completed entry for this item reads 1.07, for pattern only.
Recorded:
11.32
